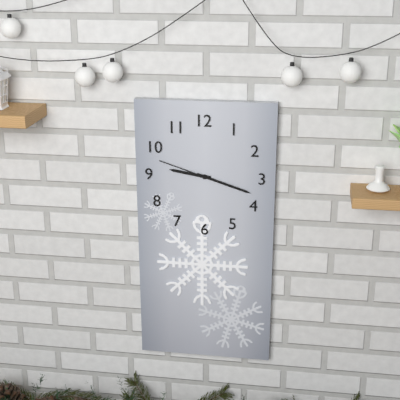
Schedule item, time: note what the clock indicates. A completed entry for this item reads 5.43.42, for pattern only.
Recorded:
9.18.48
